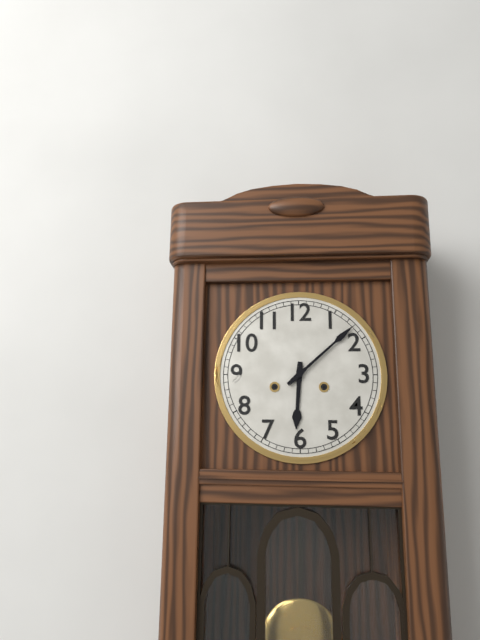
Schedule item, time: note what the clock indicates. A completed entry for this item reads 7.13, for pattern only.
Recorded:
6.08
